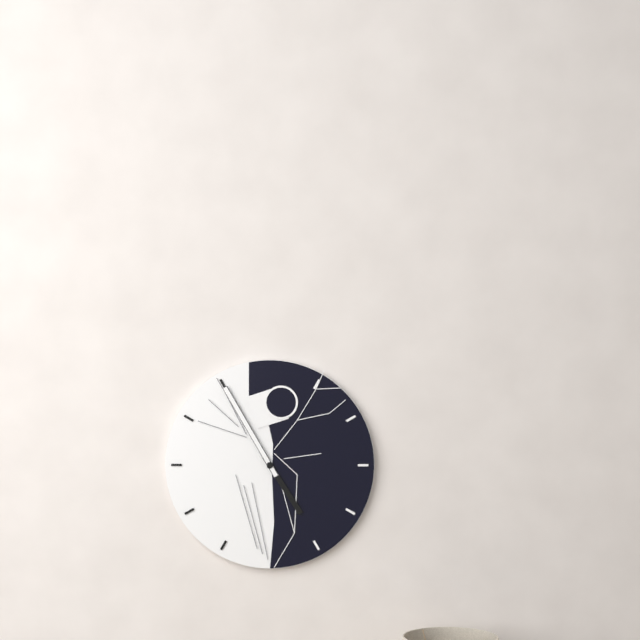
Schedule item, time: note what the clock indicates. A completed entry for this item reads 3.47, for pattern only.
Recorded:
4.55
